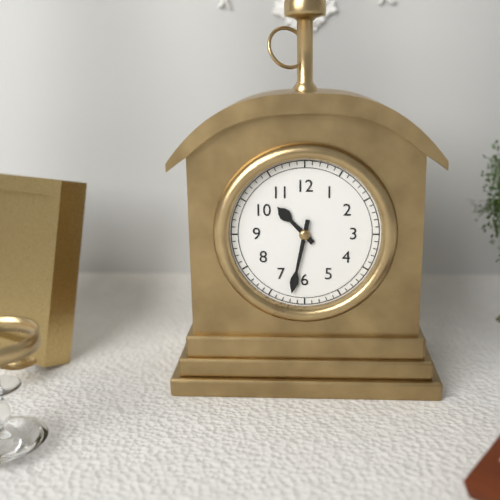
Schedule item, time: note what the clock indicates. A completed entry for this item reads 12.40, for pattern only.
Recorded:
10.32
